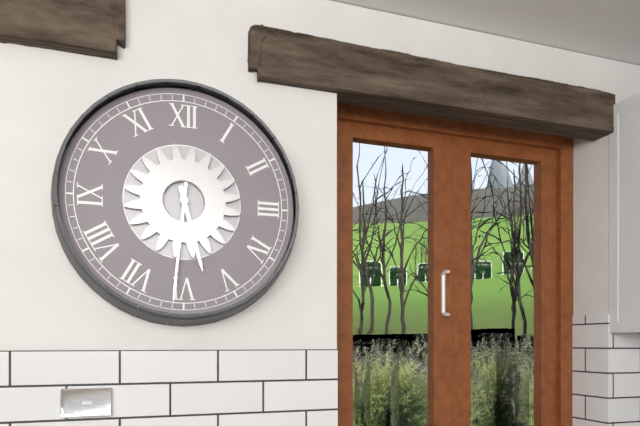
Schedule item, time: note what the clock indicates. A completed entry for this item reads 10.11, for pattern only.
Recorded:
5.31
